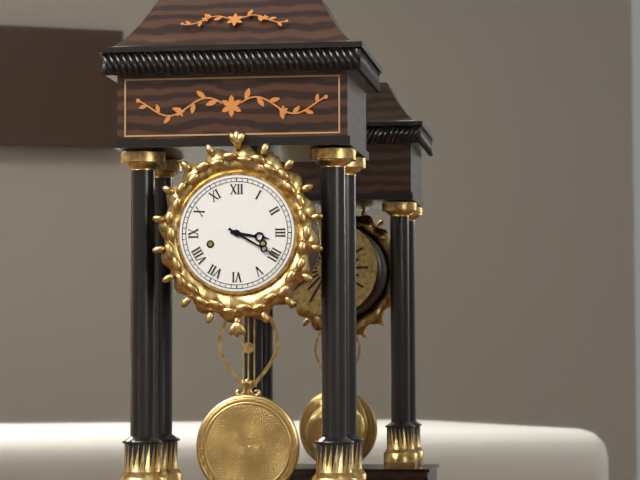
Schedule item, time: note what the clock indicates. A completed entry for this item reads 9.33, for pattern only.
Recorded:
3.20
